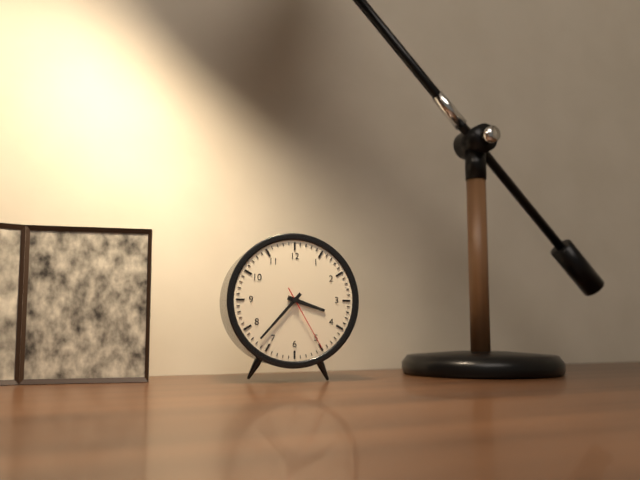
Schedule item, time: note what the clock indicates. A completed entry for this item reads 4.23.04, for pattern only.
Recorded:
3.37.25
